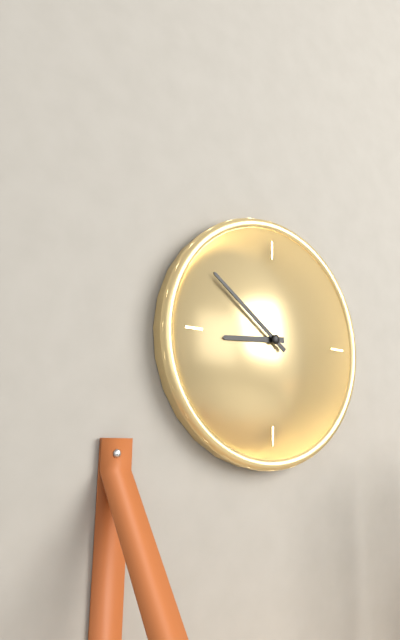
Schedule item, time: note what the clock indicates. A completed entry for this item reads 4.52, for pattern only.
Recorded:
8.51
